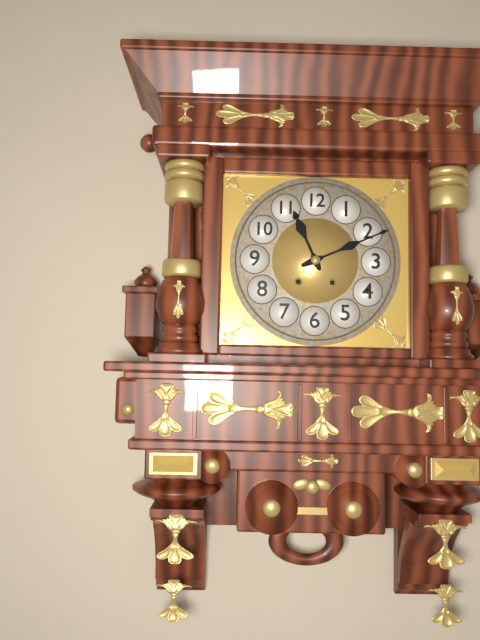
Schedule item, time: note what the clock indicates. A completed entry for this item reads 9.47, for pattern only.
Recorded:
11.11
